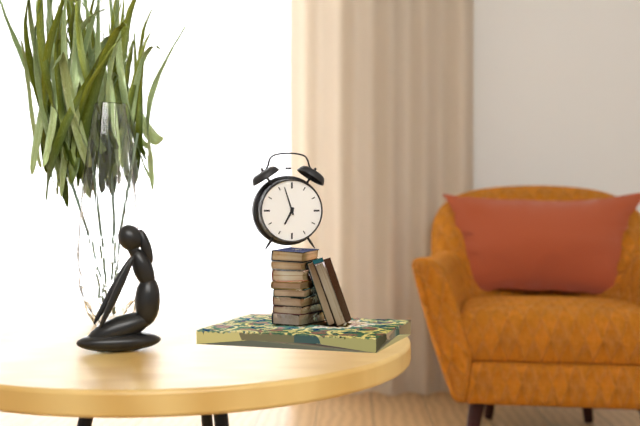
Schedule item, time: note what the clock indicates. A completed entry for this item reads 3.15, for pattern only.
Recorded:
6.57
